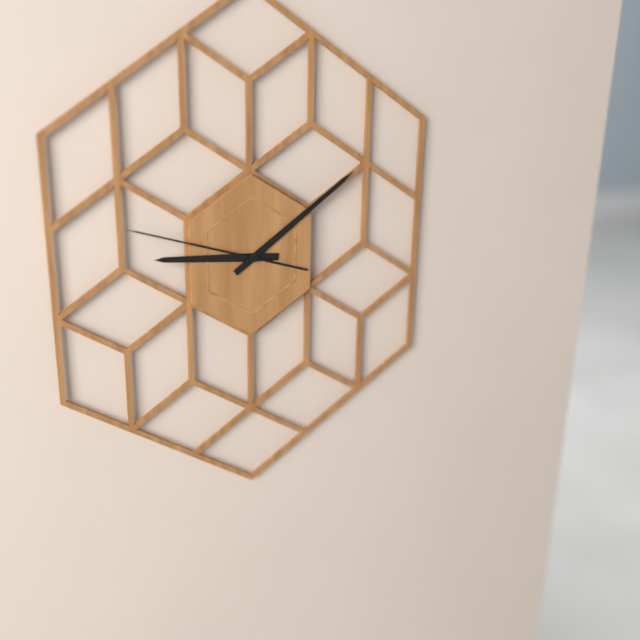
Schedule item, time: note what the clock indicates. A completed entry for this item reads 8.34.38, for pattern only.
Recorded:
9.09.48
